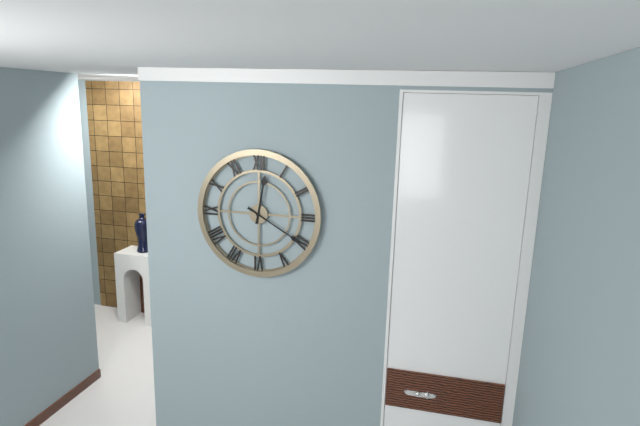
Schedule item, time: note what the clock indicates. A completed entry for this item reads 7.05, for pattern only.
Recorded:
12.20
